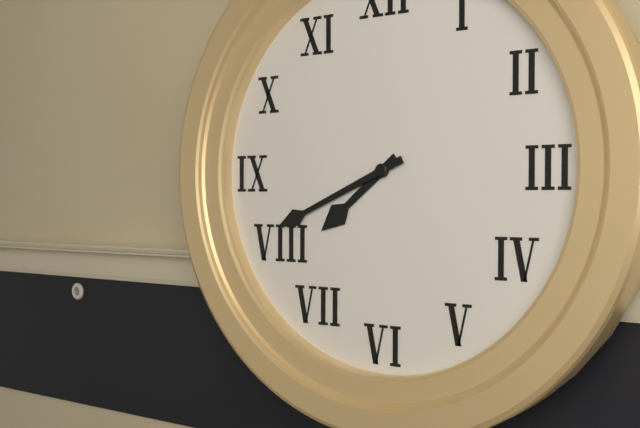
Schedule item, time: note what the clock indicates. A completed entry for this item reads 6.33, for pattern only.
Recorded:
7.41
